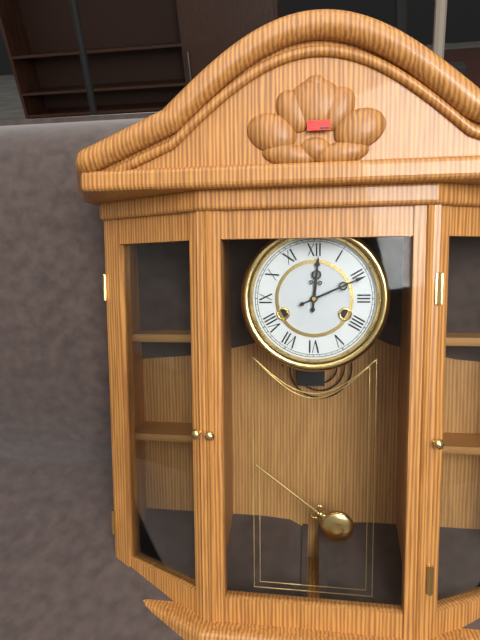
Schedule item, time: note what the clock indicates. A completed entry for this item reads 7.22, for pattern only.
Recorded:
12.11
